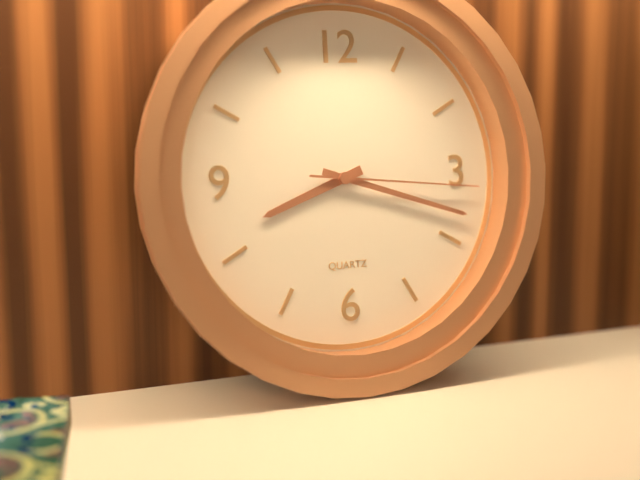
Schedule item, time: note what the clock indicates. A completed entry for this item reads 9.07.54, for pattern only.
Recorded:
8.18.16
